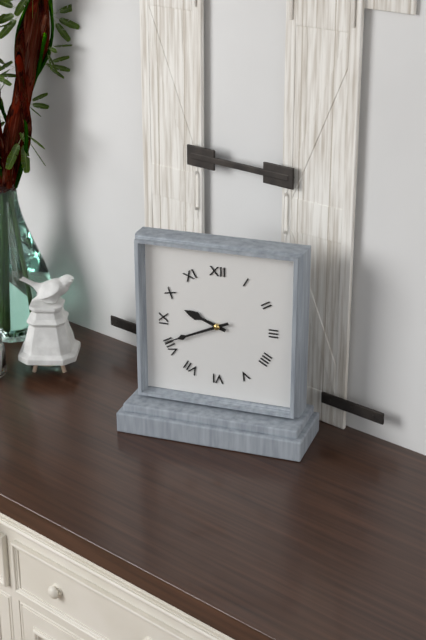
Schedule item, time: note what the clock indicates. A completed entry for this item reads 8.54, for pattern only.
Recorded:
9.41
